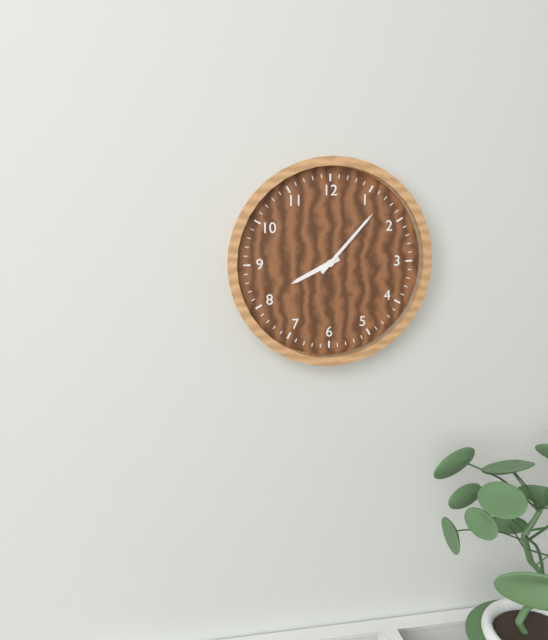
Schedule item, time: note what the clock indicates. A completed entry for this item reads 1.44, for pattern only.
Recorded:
8.07
